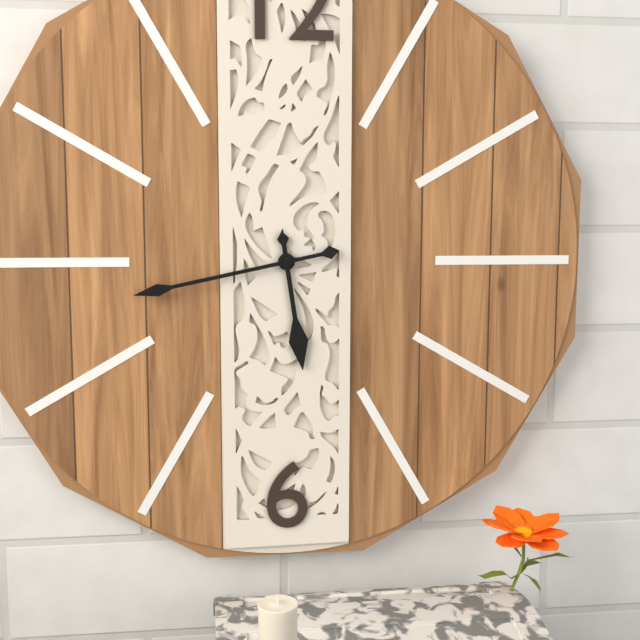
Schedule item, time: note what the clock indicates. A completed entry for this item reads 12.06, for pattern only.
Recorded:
5.43
